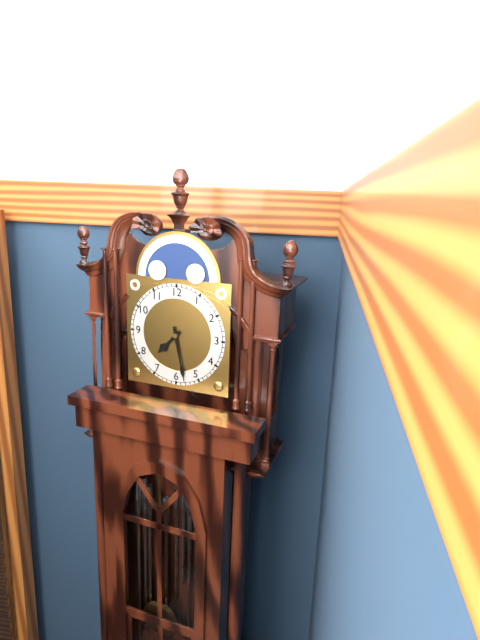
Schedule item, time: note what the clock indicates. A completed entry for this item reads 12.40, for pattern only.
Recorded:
7.28
